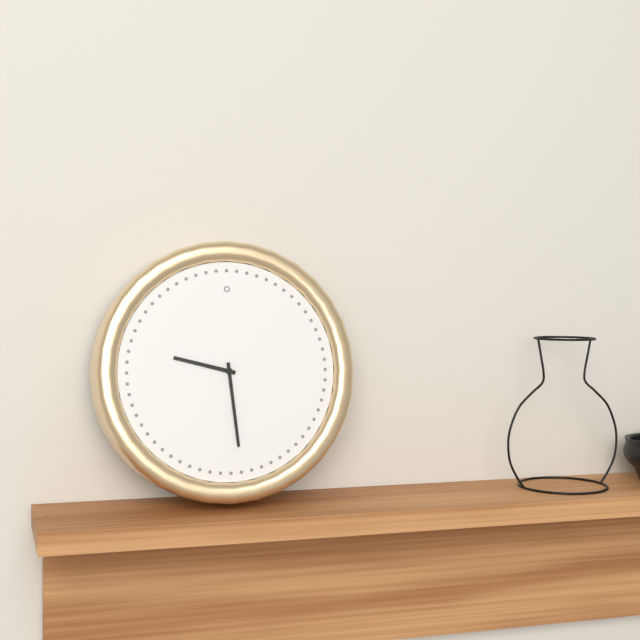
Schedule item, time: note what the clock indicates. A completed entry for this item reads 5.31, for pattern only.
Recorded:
9.29
